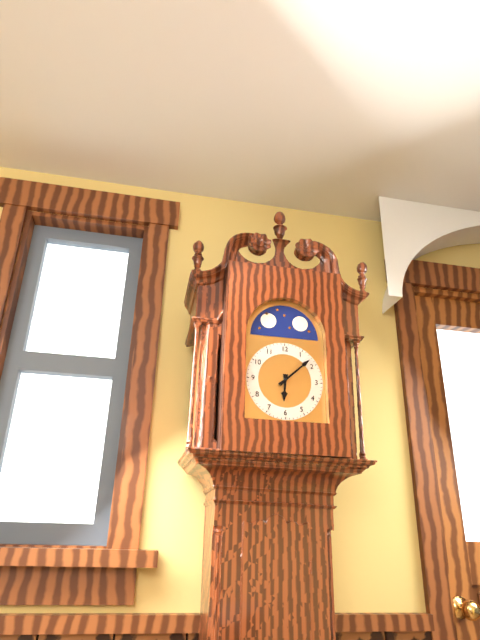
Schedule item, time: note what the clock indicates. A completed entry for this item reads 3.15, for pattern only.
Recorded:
6.08
